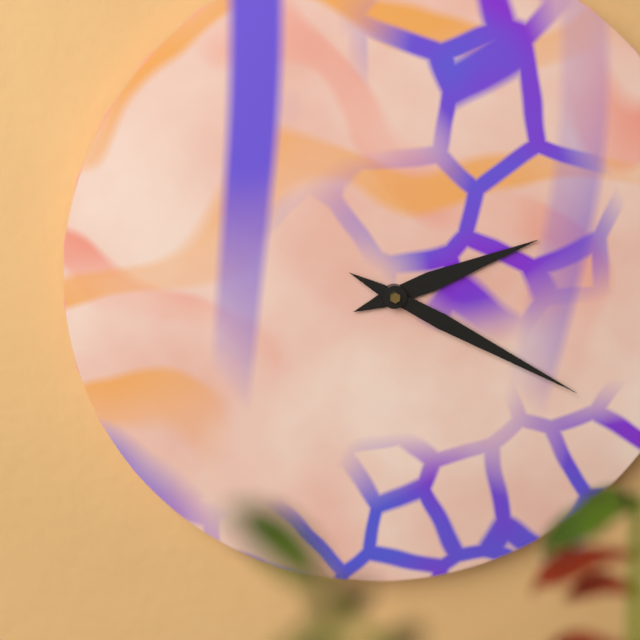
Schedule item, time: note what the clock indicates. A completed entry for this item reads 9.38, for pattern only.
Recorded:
2.20
